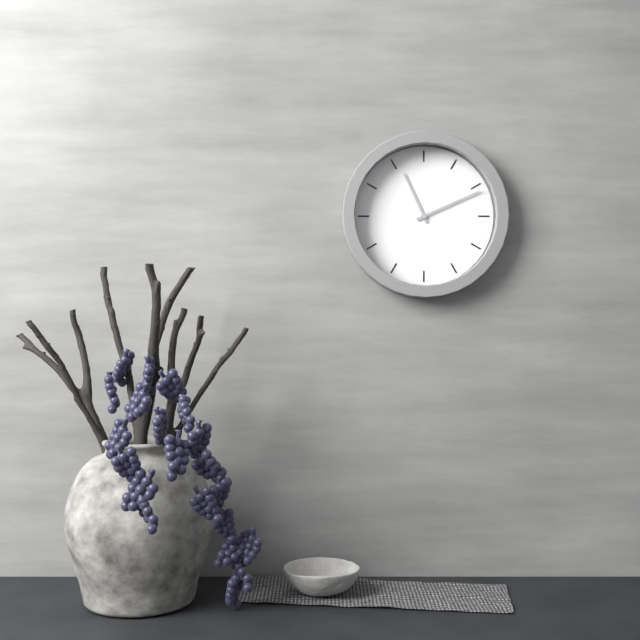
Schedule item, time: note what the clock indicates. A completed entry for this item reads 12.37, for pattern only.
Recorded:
11.11
